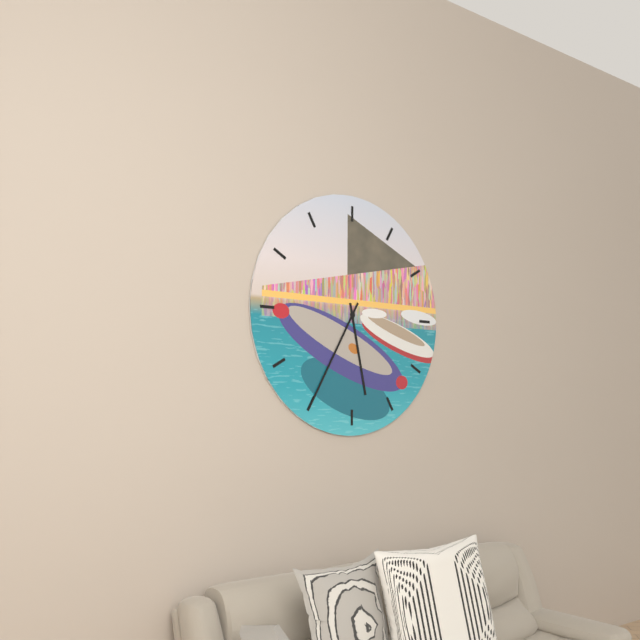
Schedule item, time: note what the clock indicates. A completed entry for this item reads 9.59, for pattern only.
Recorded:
5.35
